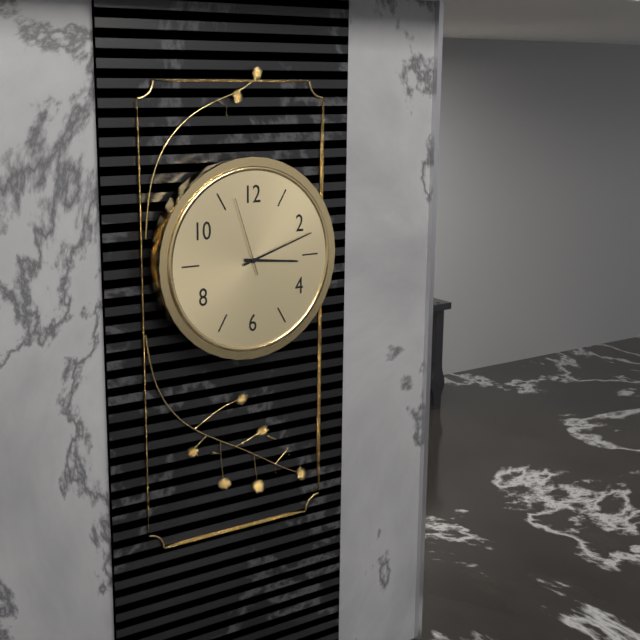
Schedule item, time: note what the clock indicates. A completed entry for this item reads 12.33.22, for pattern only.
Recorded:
3.12.57
